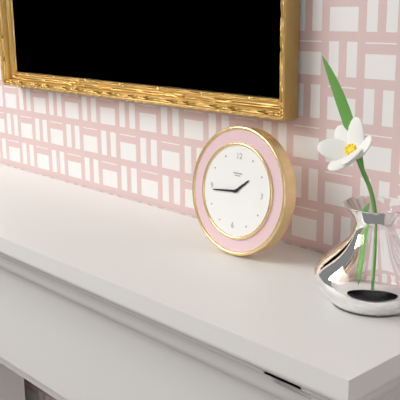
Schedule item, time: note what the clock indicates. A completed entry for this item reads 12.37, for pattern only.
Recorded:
1.44
